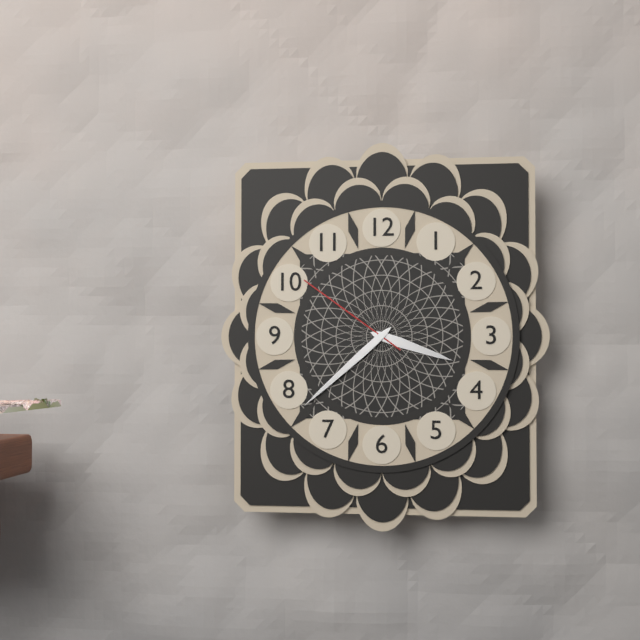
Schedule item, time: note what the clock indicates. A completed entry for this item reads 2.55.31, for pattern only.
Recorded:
3.38.51
